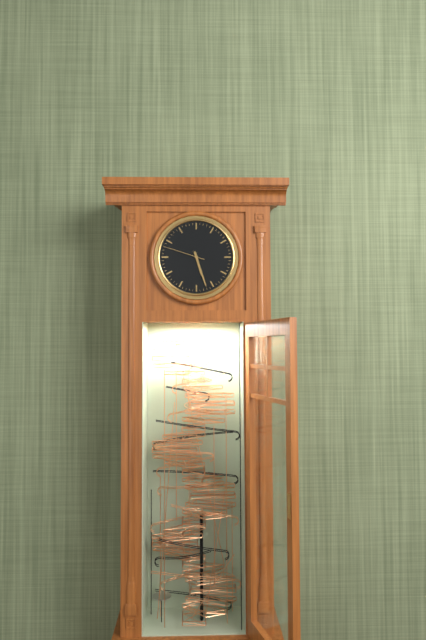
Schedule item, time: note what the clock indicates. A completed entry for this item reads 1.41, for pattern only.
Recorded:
5.27
